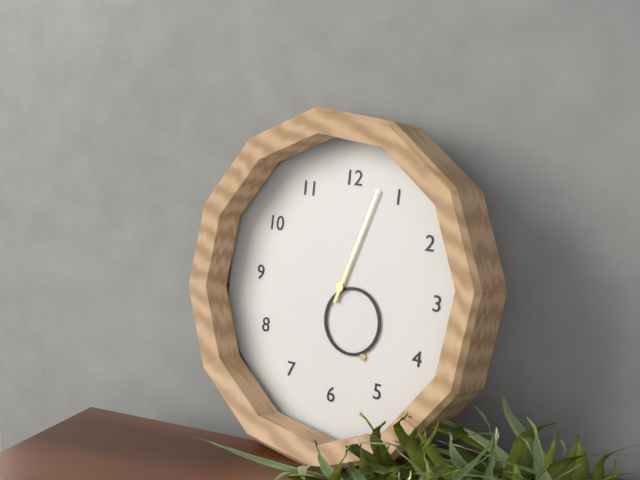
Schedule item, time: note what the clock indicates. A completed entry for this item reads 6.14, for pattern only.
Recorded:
5.03
